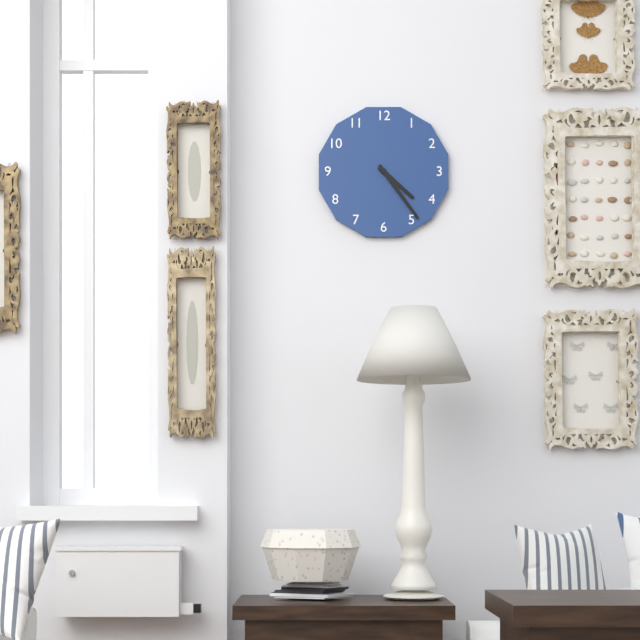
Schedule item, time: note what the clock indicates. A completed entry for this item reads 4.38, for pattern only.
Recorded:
4.24
